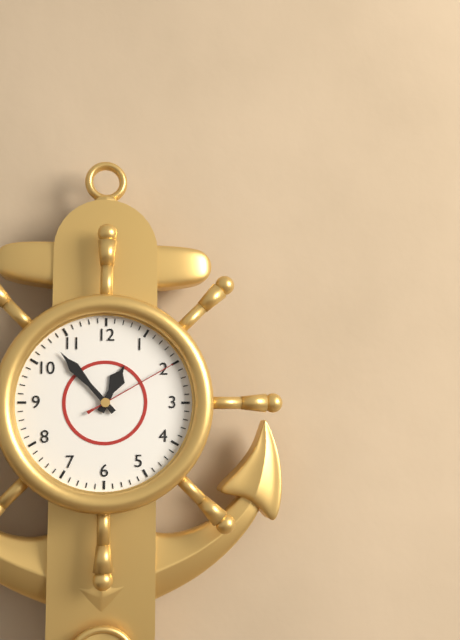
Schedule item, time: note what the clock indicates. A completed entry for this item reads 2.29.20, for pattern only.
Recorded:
12.53.10
